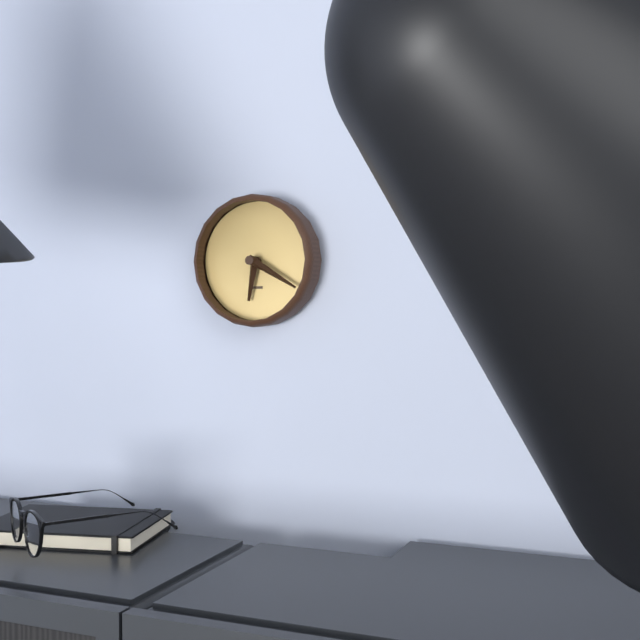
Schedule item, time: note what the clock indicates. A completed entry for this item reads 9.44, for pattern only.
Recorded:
6.20
